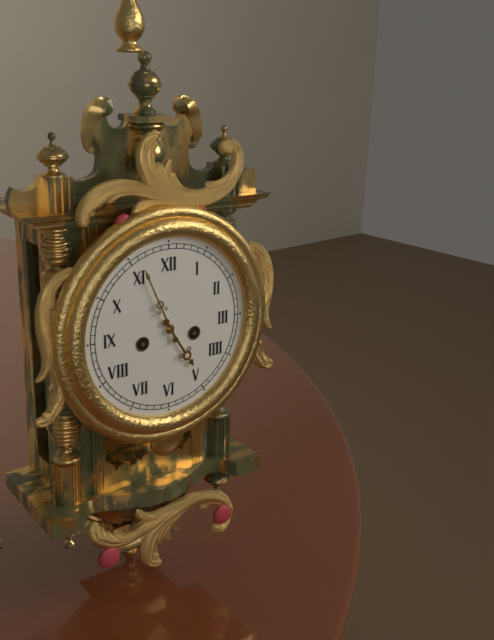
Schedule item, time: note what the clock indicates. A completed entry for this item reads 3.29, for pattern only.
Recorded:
4.56
